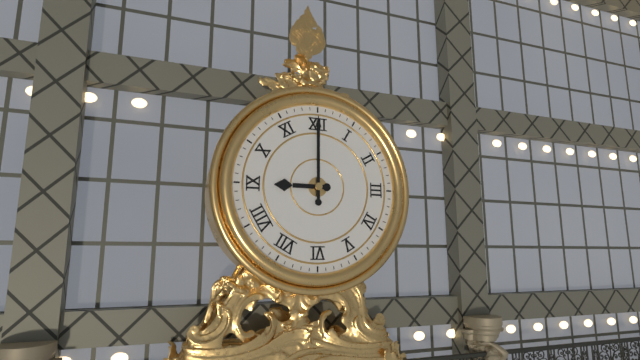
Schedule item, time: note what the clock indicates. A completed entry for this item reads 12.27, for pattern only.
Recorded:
9.00
